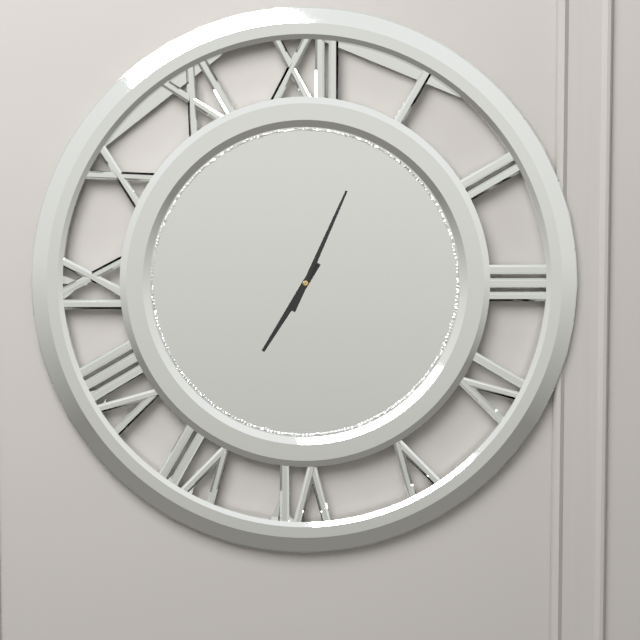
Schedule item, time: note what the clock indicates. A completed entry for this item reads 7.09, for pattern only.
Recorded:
7.04
